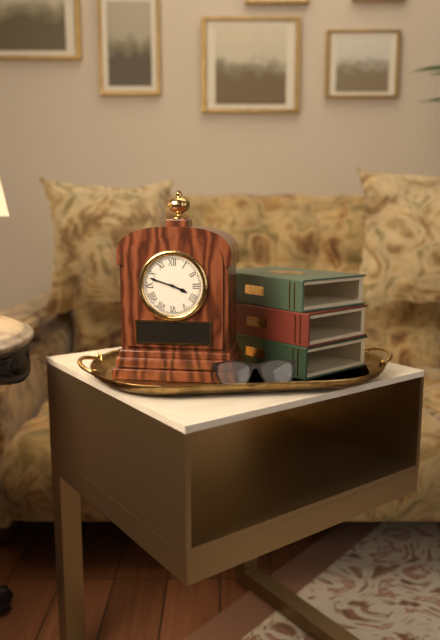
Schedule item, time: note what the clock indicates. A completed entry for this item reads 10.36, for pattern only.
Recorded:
3.48
